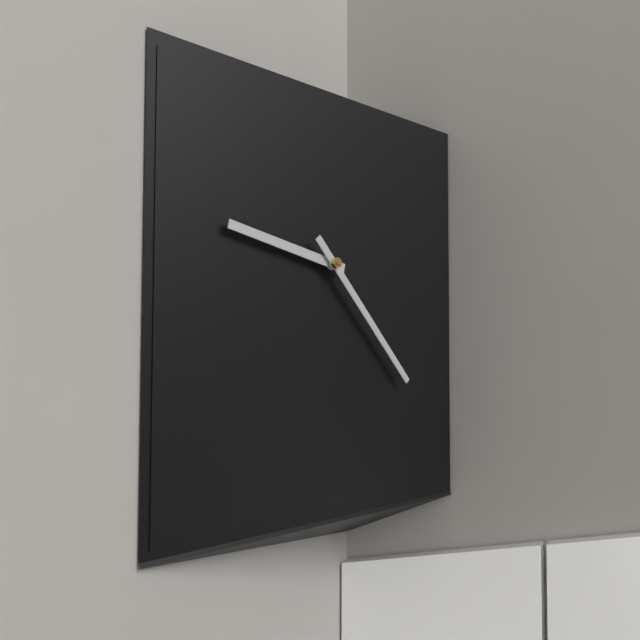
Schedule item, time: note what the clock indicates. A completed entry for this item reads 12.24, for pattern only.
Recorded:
9.23
